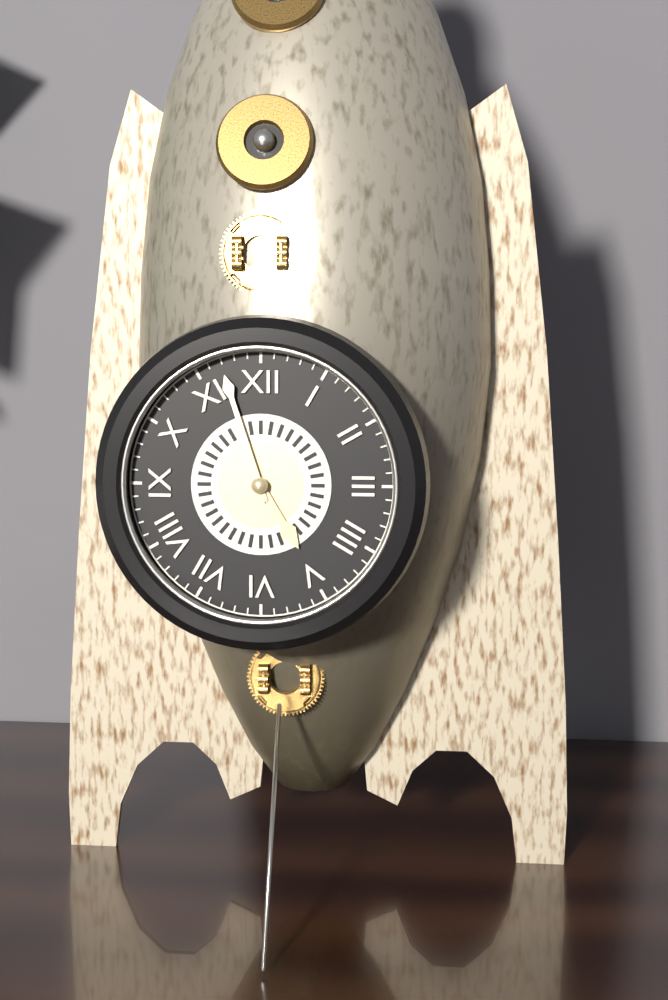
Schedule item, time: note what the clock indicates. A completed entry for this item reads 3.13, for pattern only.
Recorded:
4.57
